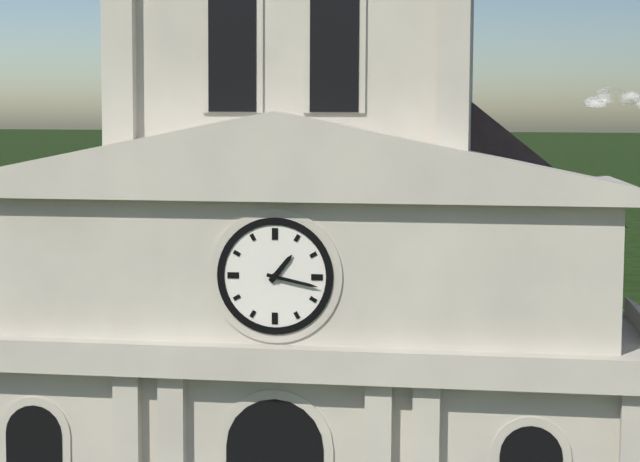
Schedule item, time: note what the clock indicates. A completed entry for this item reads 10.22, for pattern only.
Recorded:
1.17
